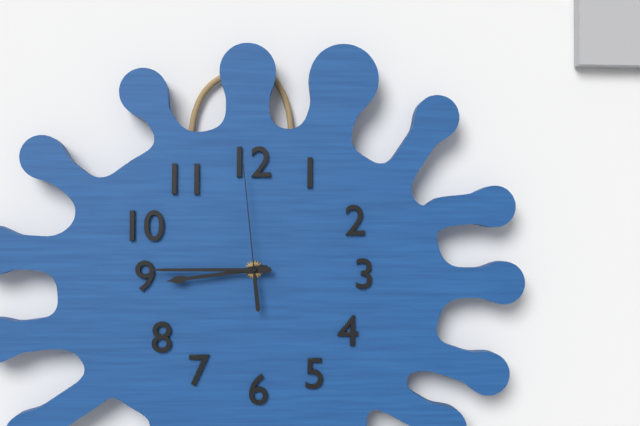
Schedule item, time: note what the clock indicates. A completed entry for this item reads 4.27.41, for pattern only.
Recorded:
8.45.59
